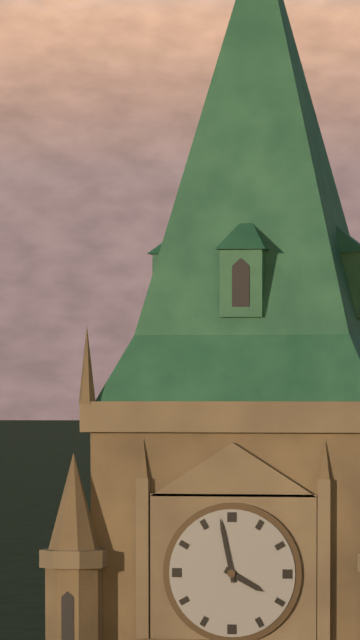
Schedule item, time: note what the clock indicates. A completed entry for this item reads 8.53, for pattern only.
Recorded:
3.58
